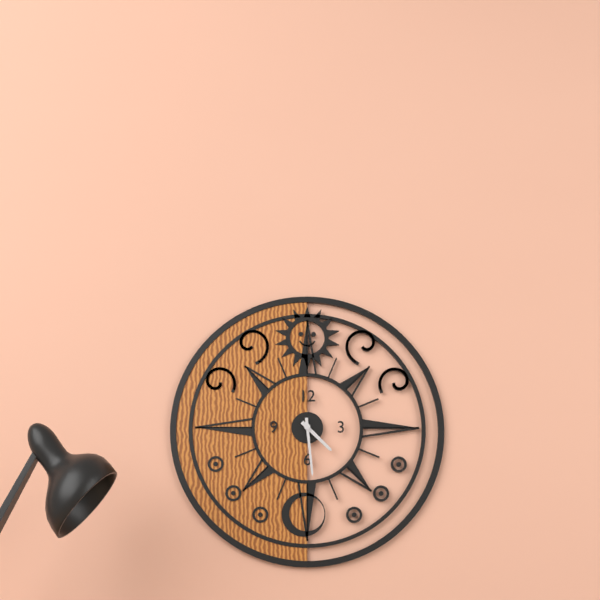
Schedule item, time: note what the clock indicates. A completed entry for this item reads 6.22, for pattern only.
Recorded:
4.29
